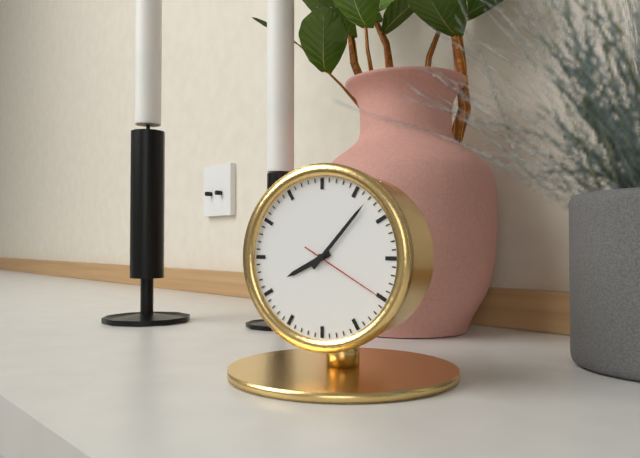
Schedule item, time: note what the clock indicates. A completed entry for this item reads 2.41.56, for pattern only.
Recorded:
8.07.20
